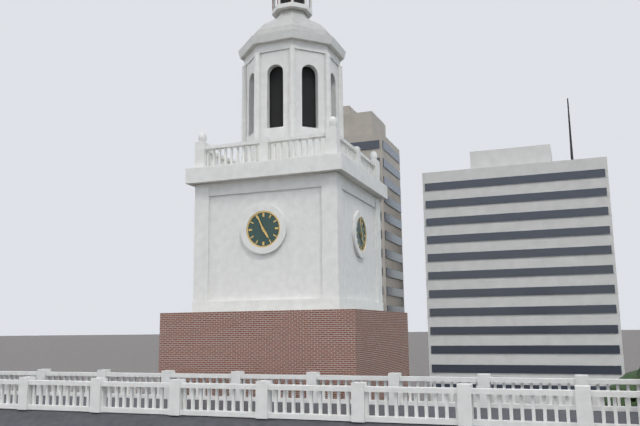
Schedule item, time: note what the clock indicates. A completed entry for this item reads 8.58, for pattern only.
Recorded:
4.56
